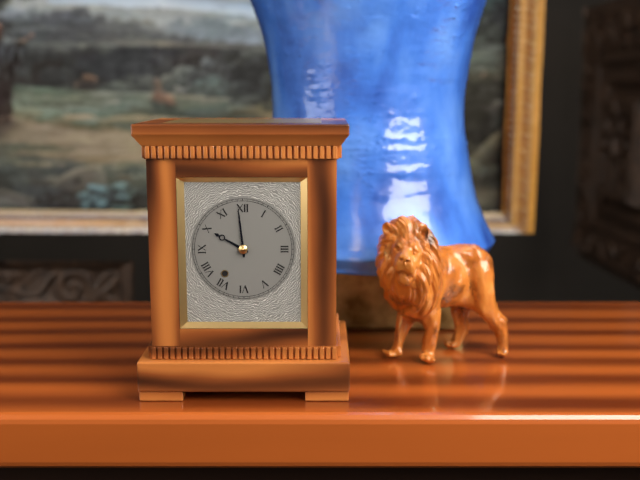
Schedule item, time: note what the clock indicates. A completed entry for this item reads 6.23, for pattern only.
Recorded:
9.59
